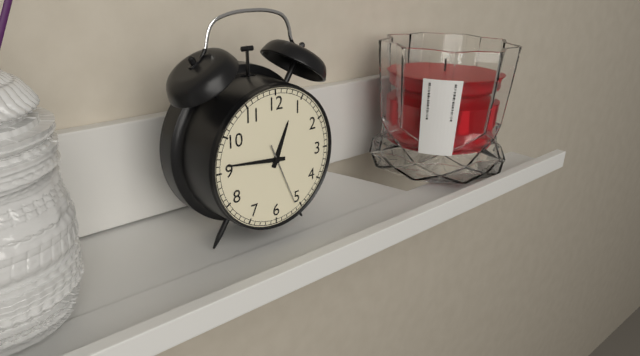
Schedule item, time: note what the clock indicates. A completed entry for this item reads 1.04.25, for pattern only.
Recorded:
12.46.26
